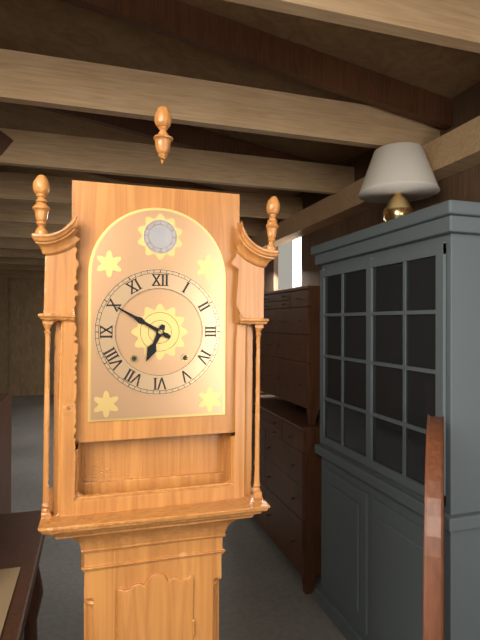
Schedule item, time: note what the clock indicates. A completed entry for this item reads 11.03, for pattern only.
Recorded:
6.50
